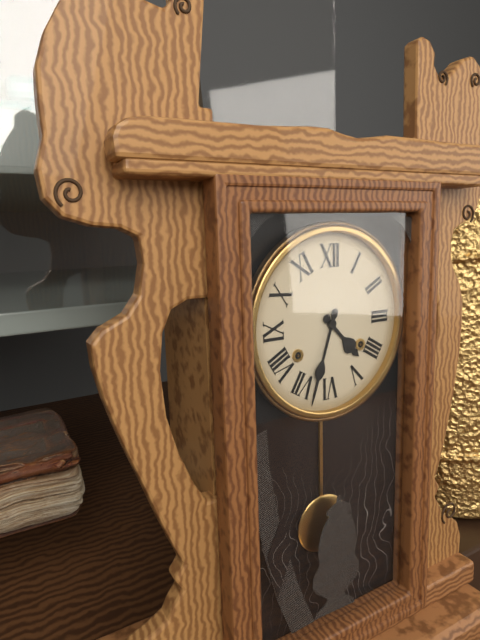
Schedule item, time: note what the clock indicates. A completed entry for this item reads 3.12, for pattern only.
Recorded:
4.33
